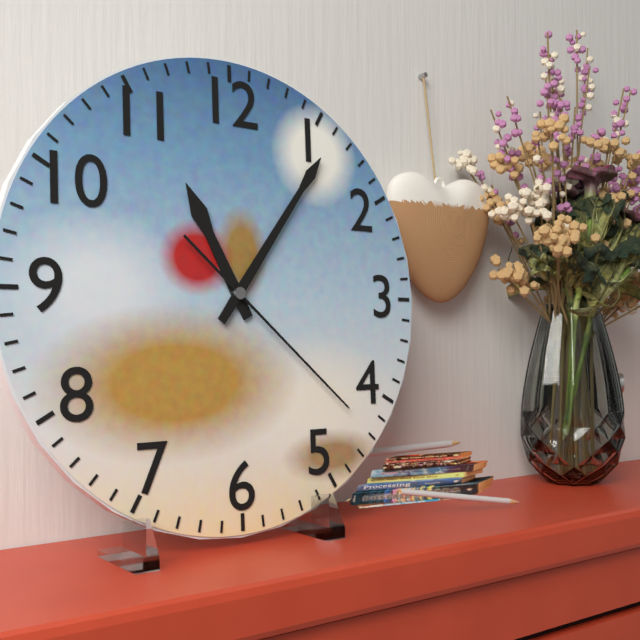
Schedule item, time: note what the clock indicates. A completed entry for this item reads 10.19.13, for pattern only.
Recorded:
11.06.22
